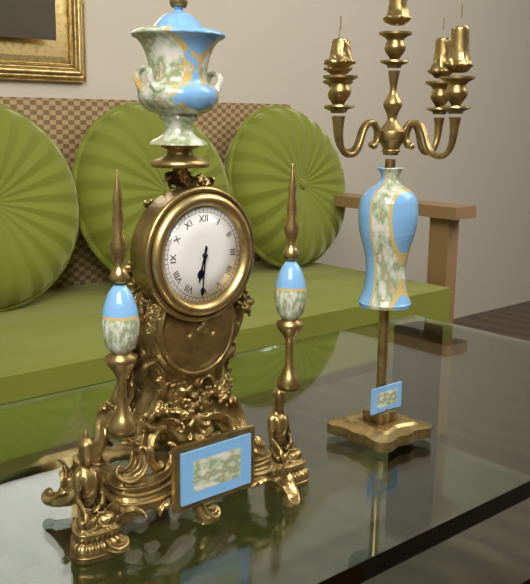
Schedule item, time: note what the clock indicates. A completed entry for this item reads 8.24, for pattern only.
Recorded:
6.31
